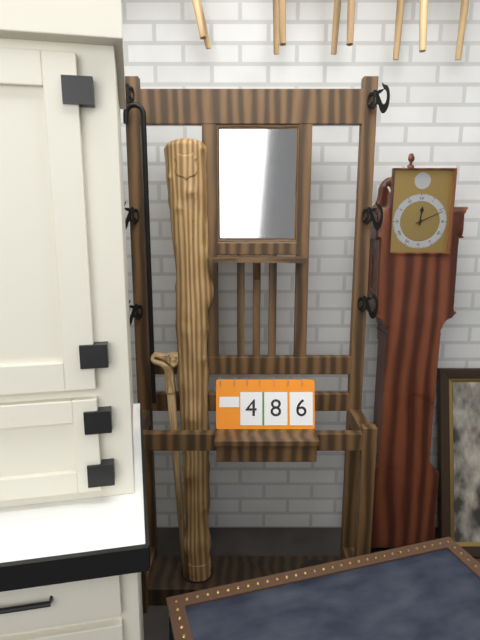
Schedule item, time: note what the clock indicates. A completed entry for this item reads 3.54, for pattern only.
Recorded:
12.11
